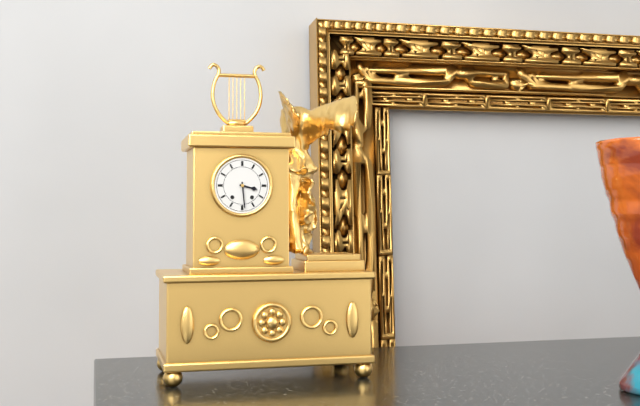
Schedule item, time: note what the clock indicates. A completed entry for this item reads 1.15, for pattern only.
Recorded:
3.29
